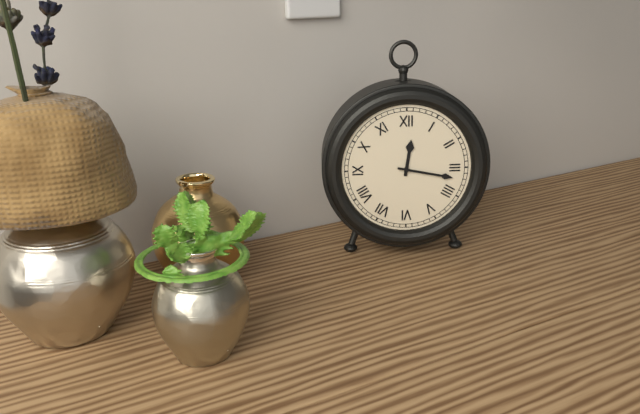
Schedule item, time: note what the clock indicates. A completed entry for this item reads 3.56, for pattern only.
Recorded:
12.17
